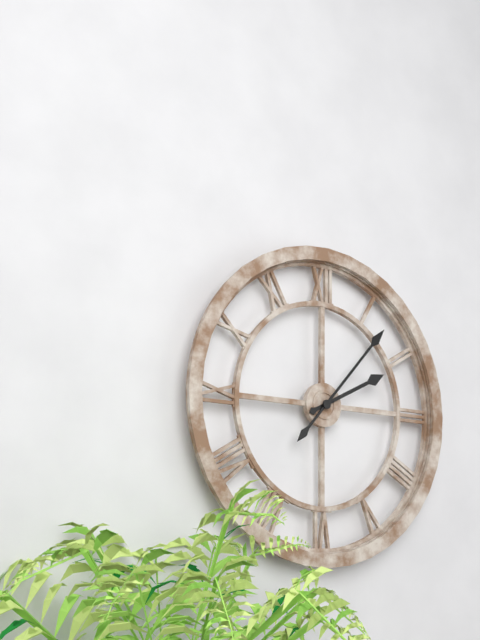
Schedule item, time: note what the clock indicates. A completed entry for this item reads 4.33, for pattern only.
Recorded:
2.07
